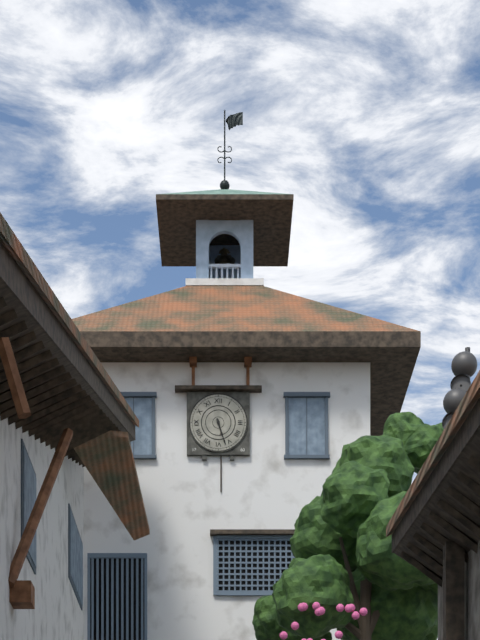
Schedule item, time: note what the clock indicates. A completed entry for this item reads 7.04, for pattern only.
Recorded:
5.27
